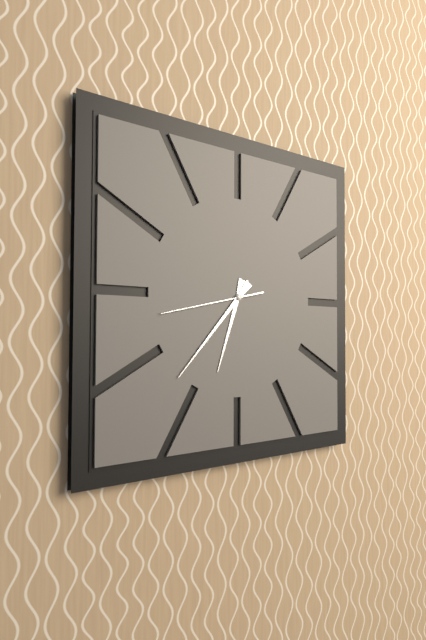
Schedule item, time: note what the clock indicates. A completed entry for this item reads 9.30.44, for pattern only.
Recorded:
6.37.43
